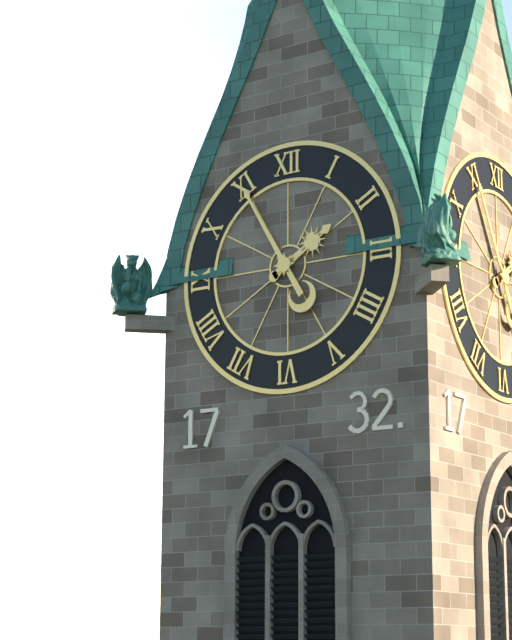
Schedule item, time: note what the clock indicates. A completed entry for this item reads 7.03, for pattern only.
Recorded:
1.55
